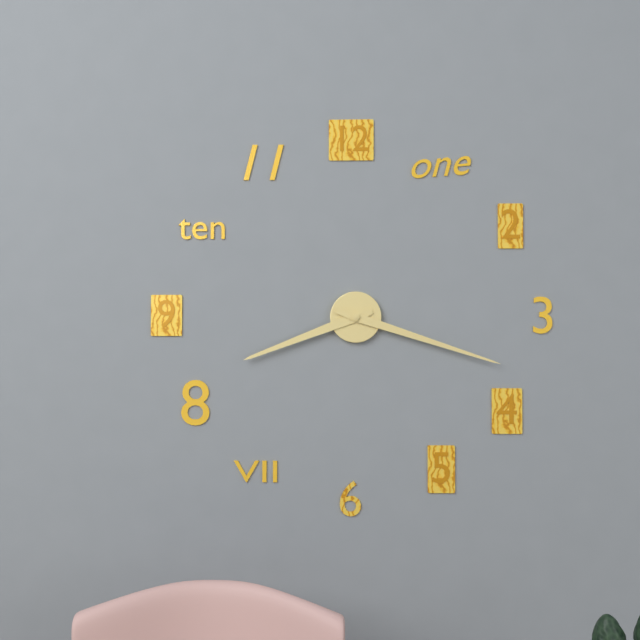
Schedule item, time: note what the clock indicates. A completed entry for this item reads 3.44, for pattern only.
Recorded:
8.18
